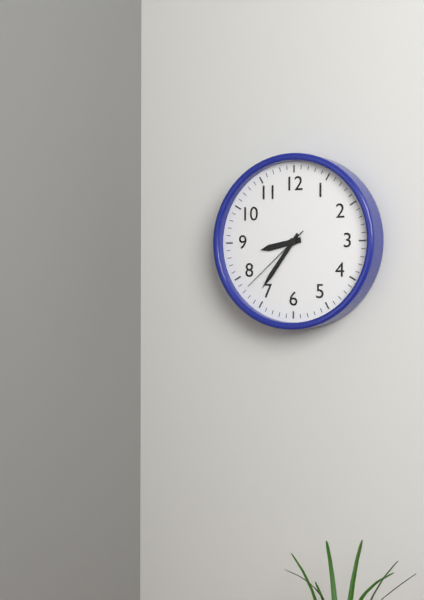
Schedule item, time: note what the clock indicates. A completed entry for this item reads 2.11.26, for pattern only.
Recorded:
8.36.38
